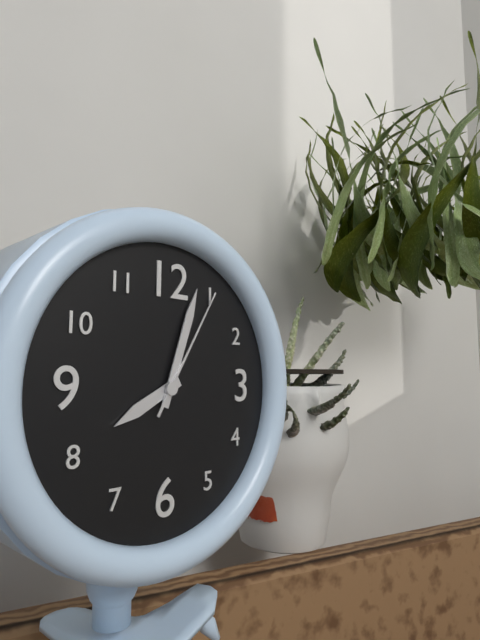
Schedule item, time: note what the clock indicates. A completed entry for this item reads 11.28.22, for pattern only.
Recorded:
8.03.05
